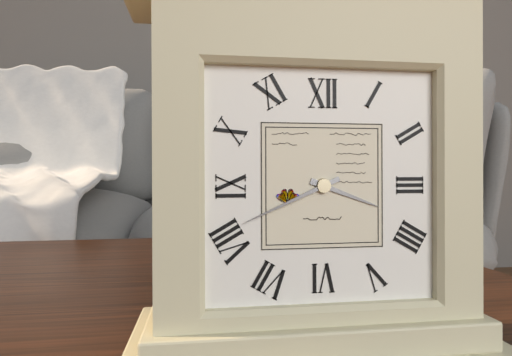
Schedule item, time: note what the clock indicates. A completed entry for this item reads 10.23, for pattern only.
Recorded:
3.41
